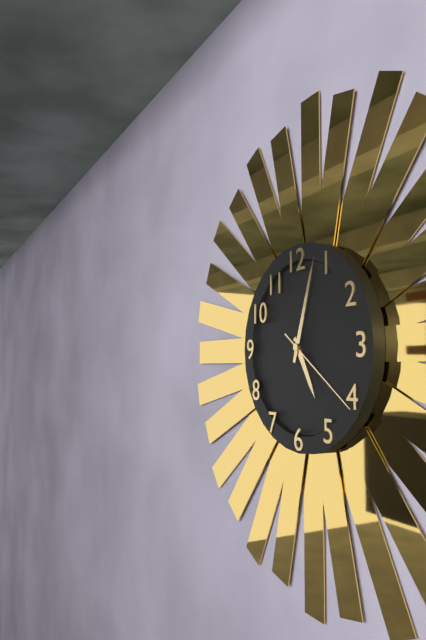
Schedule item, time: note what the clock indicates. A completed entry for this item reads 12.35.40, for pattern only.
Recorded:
5.03.21
